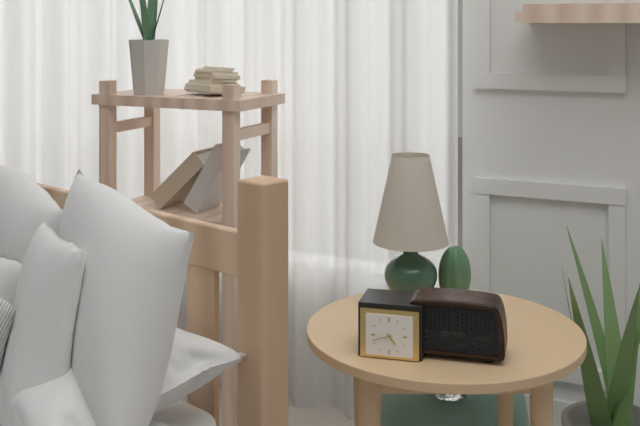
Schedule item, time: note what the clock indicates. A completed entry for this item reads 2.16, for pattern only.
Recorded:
4.42
